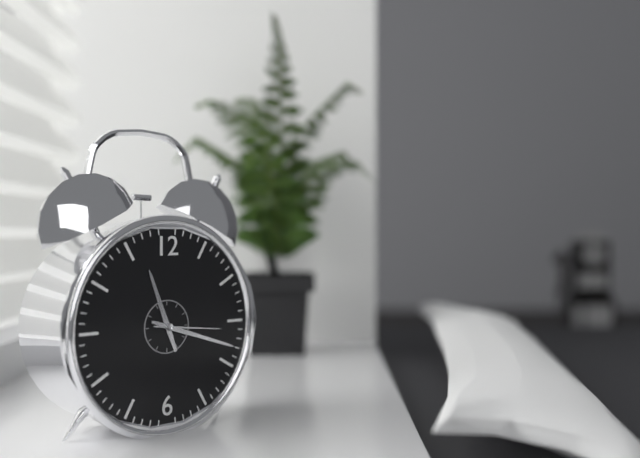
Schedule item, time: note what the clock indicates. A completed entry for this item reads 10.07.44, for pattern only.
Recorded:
11.18.16
